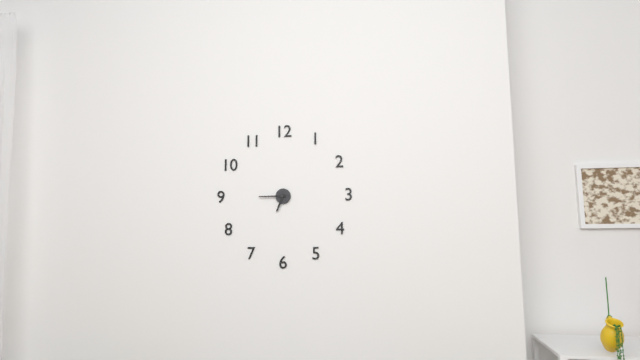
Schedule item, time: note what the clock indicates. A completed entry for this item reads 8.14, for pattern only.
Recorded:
6.45
